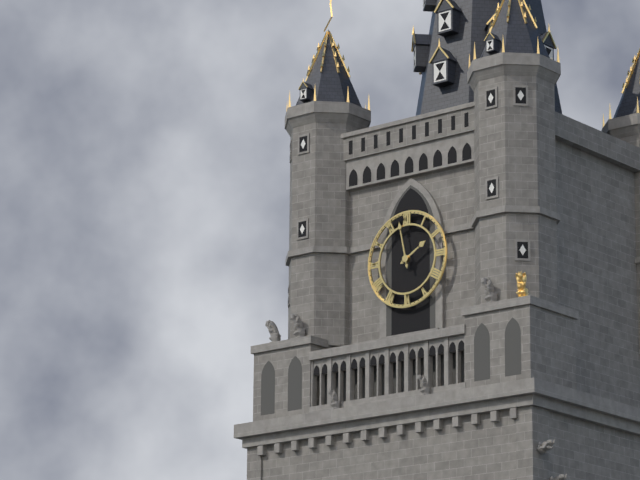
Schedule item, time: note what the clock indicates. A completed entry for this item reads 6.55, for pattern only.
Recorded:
1.58
